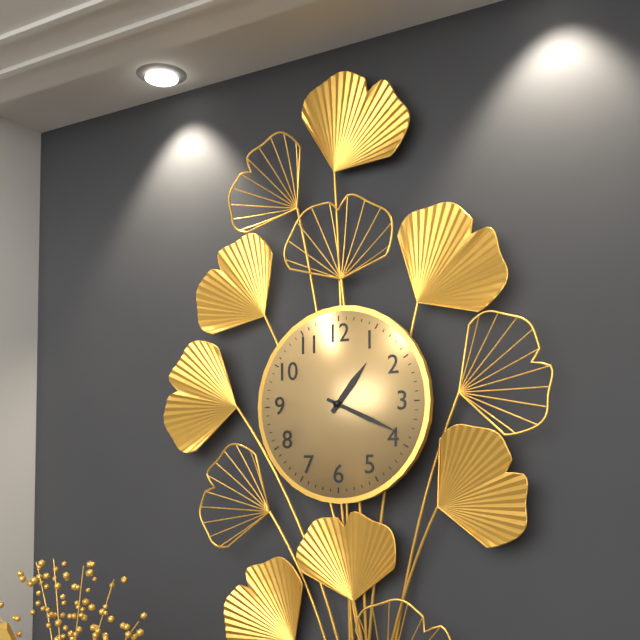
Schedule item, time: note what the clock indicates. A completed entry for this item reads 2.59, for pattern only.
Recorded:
1.19
